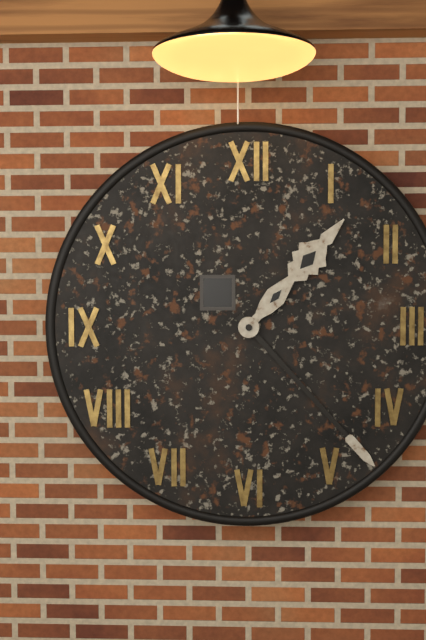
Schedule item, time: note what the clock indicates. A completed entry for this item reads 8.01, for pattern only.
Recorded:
1.23
